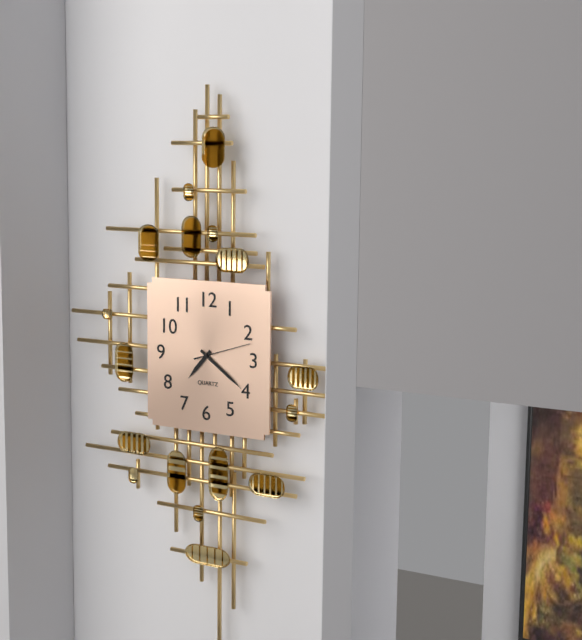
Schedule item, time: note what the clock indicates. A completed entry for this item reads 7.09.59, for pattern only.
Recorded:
7.21.12
